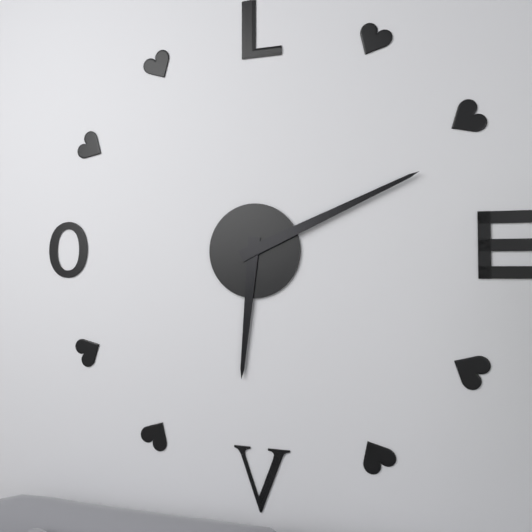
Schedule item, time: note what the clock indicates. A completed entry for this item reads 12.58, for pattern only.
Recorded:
6.11
